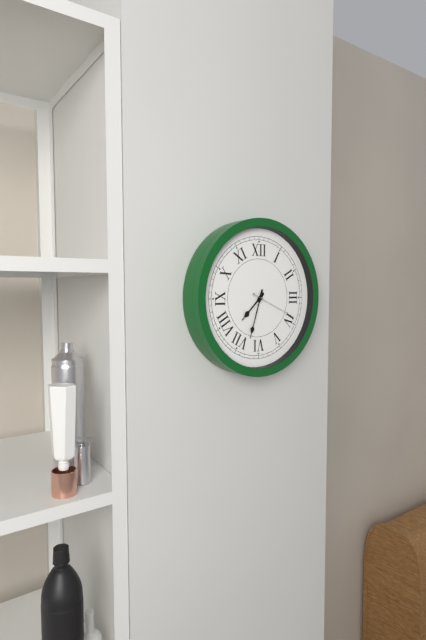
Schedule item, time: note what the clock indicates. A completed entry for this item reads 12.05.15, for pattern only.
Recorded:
7.33.19
